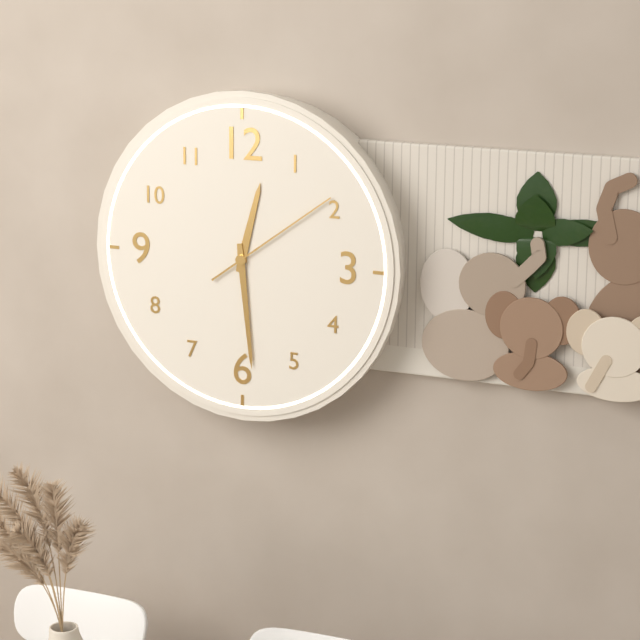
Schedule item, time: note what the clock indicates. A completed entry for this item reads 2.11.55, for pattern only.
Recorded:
12.29.09
